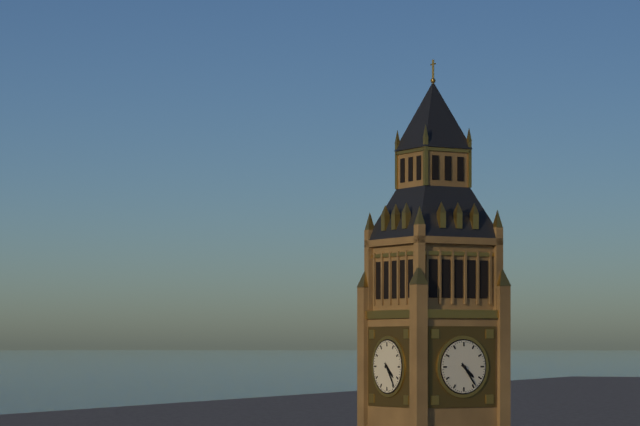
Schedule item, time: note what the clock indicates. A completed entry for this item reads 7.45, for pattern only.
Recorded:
4.24
